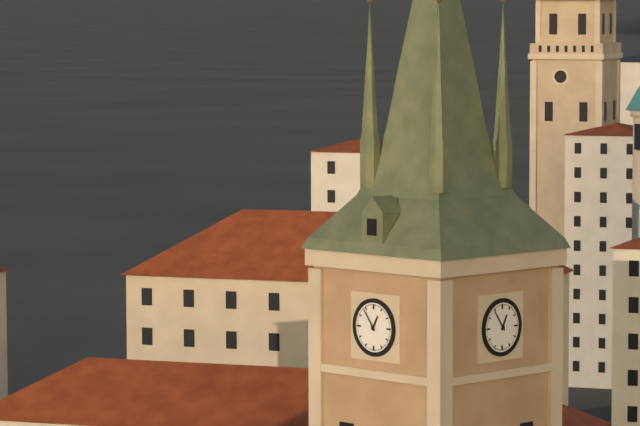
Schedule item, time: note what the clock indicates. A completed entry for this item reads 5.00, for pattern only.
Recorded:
12.54
